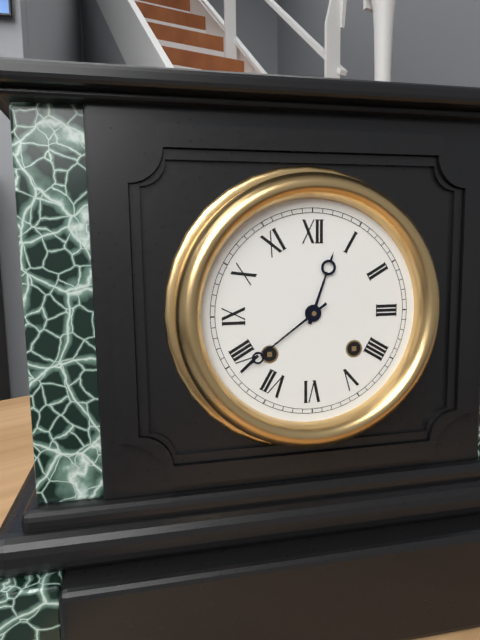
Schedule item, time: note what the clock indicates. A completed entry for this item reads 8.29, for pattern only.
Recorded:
12.39
